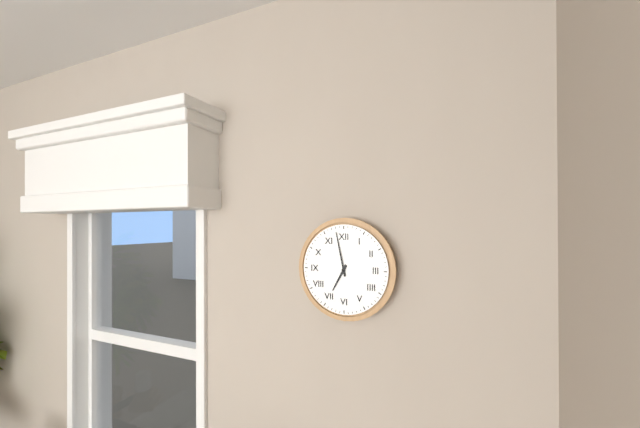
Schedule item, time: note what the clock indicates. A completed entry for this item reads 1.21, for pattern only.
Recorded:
6.58
